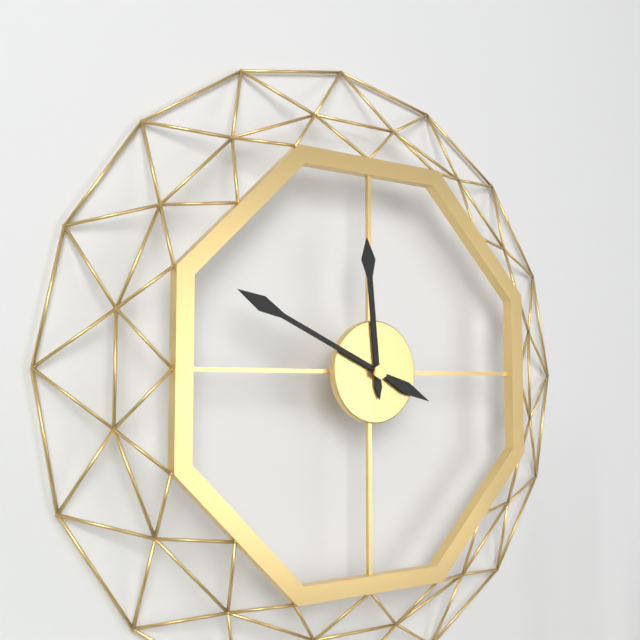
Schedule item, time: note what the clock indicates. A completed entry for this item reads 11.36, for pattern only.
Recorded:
11.49
